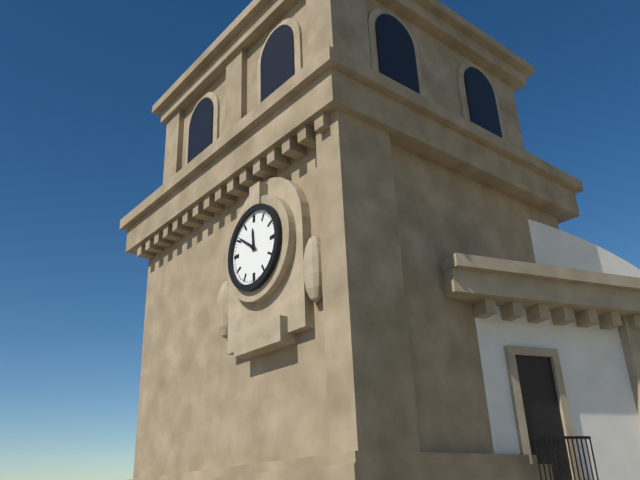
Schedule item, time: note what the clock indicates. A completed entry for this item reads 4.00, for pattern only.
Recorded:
11.51
